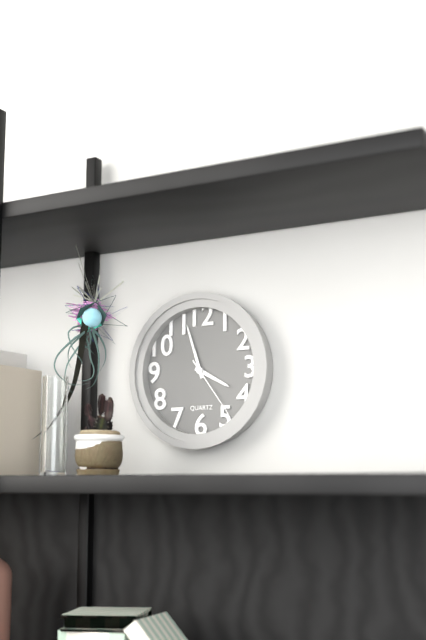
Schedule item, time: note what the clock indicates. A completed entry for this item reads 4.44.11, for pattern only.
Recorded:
3.57.24
